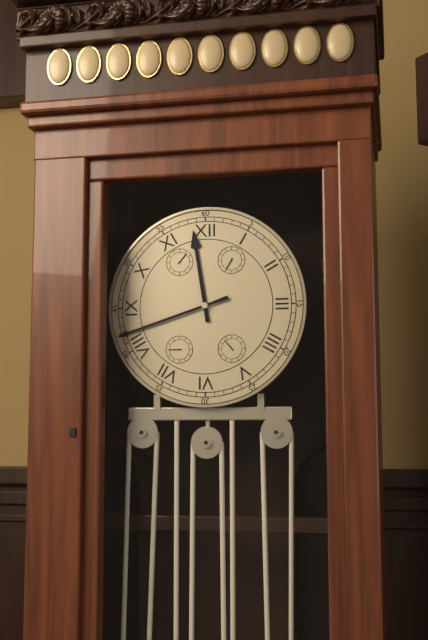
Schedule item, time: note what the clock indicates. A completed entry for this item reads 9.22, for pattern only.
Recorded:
11.42
